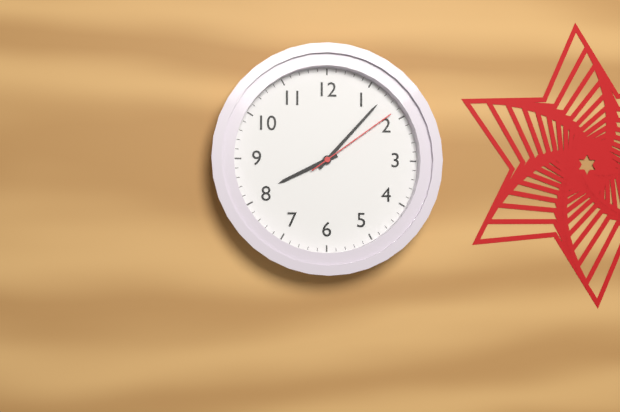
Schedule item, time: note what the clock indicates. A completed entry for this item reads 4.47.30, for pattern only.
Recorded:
8.07.09
